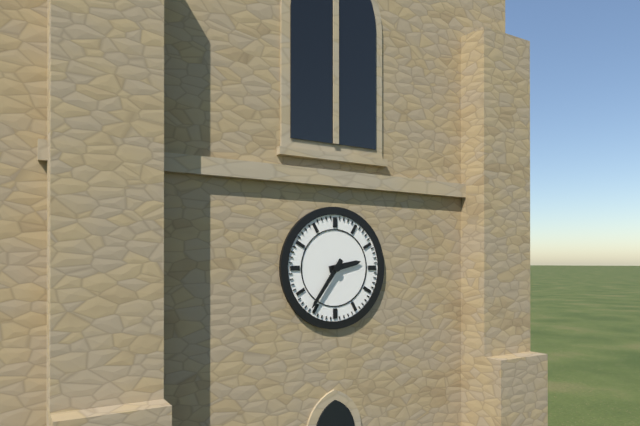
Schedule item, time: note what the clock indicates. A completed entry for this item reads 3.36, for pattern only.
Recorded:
2.36
